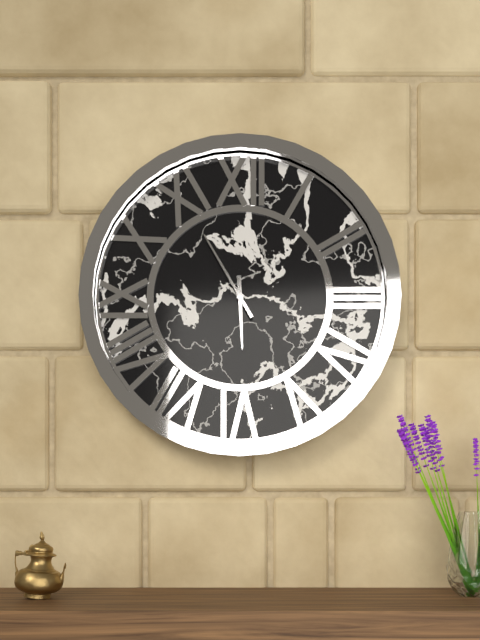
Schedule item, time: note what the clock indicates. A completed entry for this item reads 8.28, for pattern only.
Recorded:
5.55
